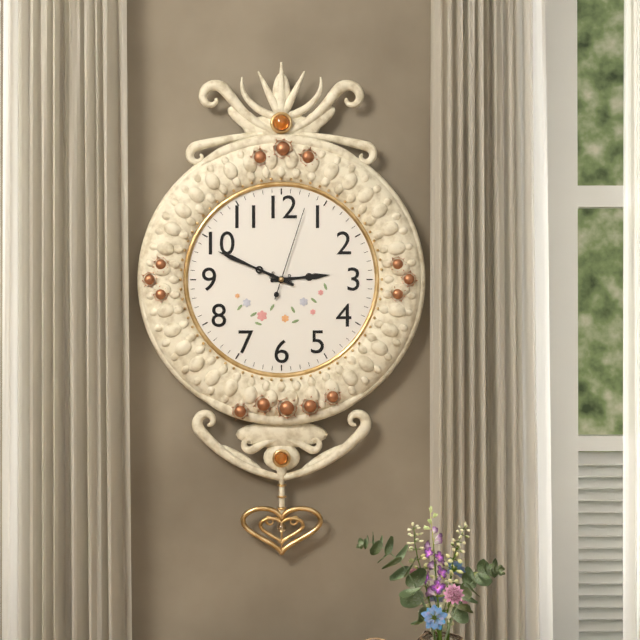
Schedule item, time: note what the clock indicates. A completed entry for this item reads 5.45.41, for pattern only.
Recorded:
2.49.03
